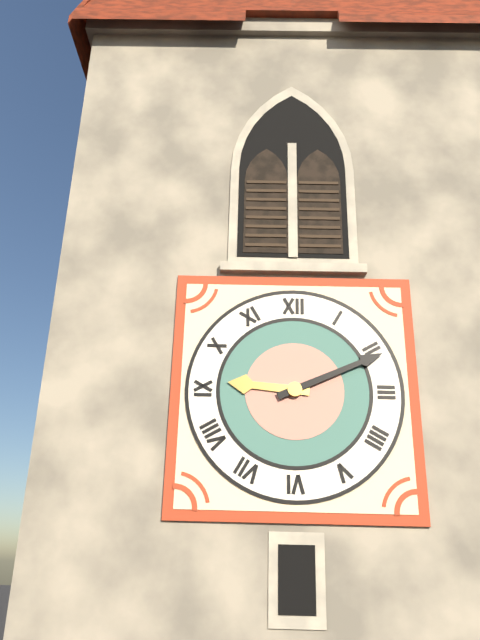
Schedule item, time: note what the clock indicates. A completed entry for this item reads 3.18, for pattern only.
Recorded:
9.11
